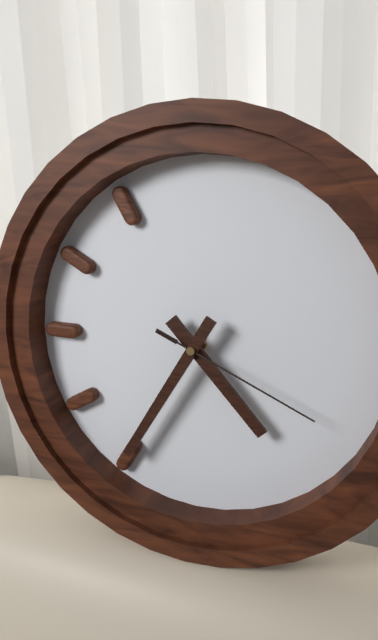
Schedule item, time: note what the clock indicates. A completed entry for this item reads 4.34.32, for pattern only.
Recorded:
4.35.19
